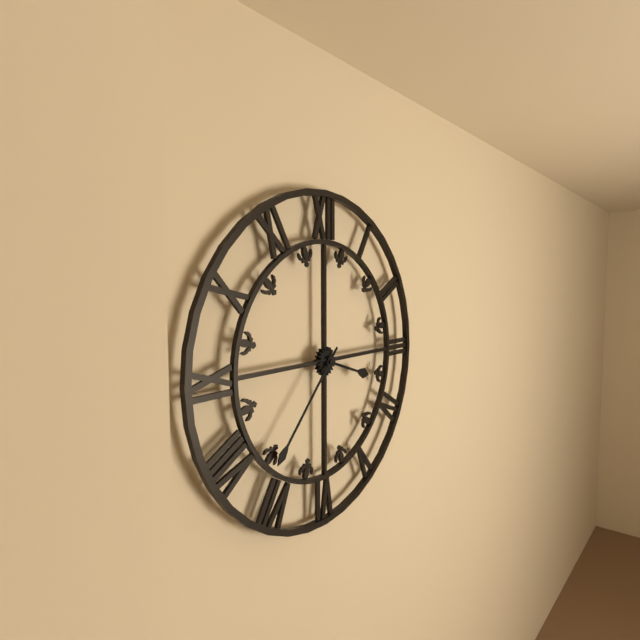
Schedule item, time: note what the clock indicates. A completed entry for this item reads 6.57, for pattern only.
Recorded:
3.37
